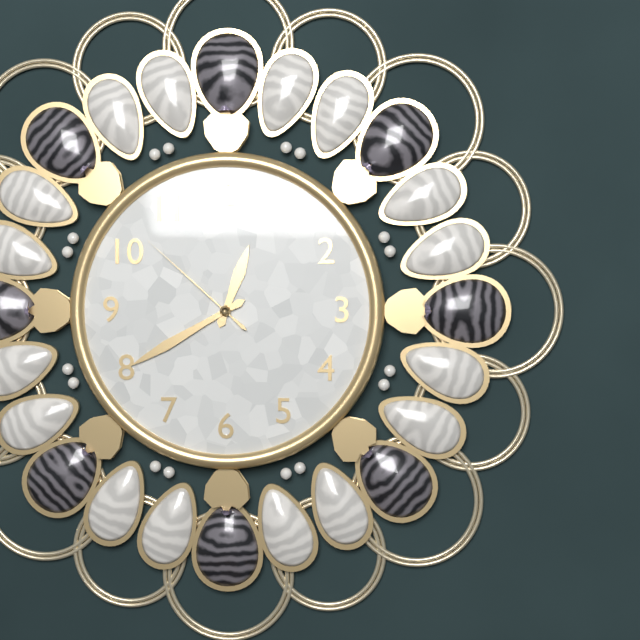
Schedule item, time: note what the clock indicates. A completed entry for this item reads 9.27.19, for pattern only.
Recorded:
12.40.52
